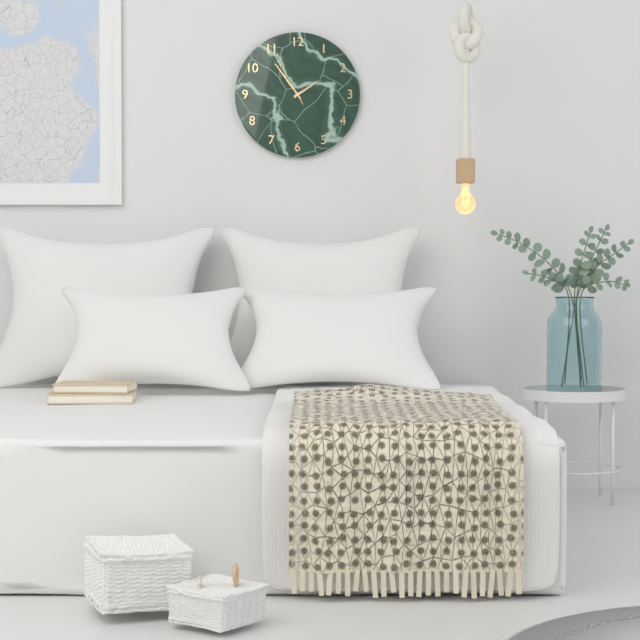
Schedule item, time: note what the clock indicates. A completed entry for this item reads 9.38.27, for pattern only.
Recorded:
1.54.55
